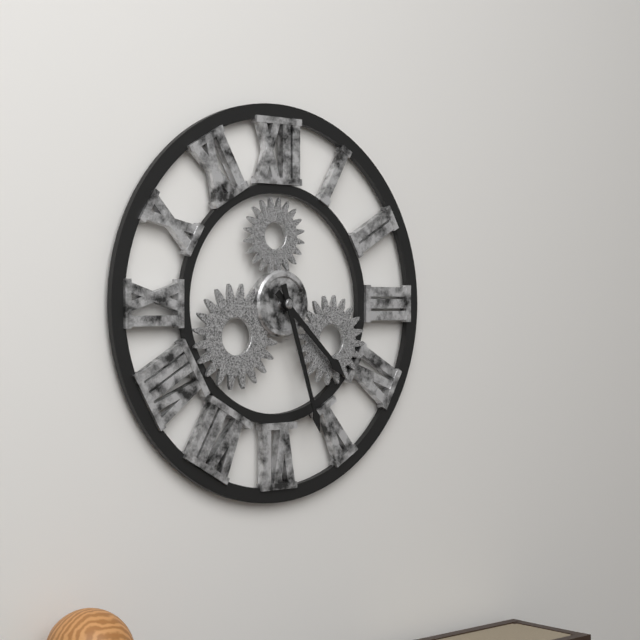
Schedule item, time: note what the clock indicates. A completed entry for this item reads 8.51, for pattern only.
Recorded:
4.27
